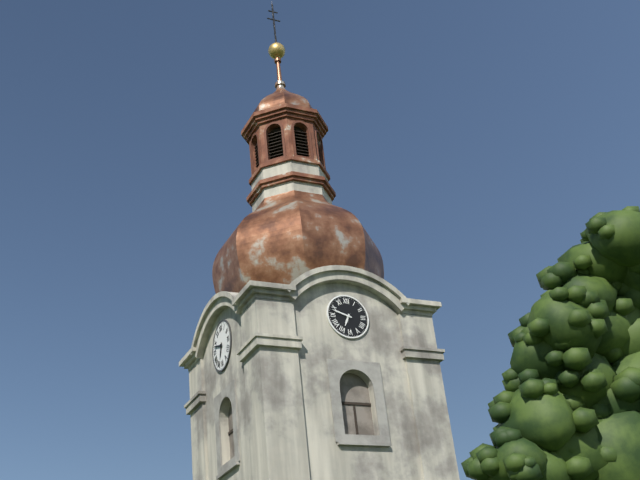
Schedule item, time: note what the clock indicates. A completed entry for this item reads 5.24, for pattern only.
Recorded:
6.48
